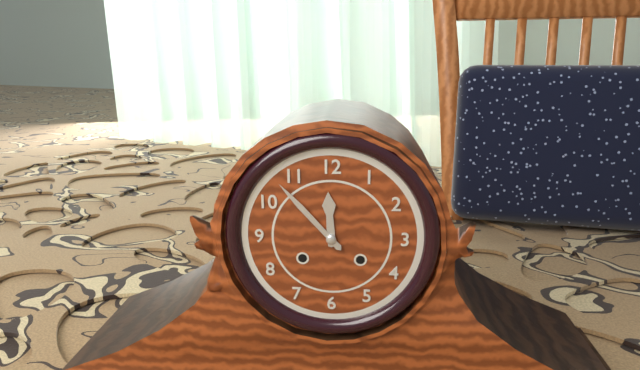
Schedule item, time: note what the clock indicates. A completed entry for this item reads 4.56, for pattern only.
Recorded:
11.53
